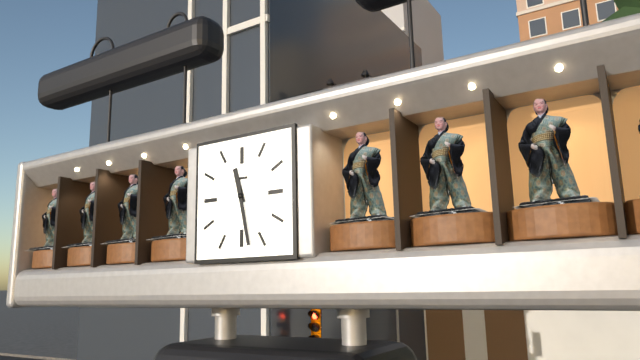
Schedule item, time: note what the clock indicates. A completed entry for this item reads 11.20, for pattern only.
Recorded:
11.28
